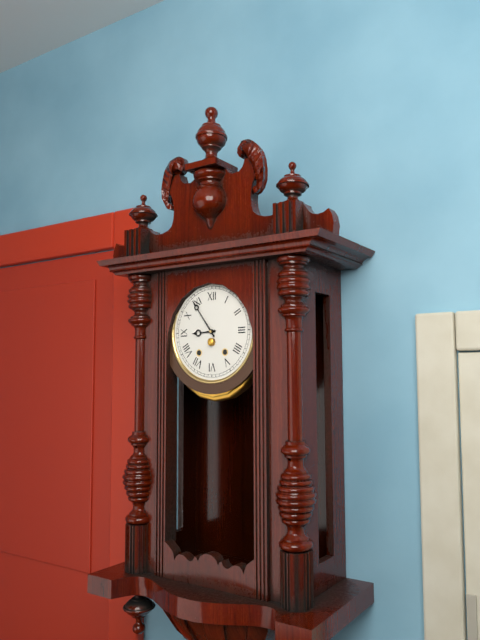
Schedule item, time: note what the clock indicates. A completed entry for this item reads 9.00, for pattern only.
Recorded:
8.54
